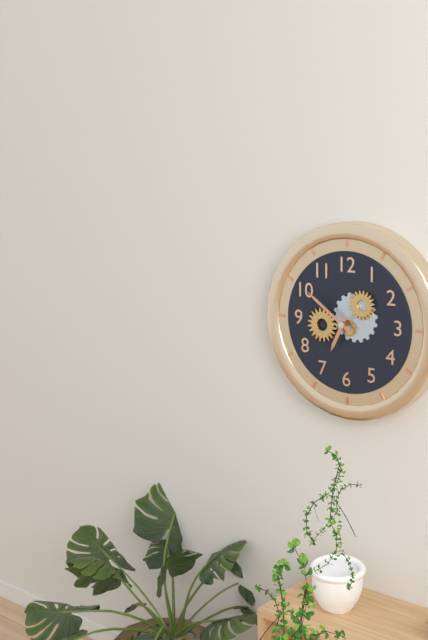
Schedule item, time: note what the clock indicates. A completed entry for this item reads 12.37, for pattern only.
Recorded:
6.51
